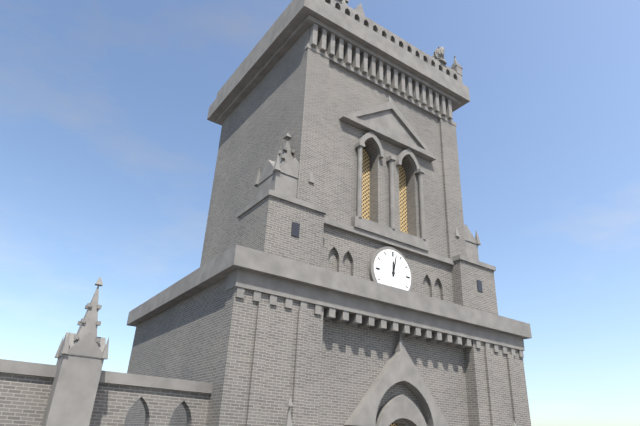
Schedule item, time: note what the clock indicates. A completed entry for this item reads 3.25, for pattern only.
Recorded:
12.02
